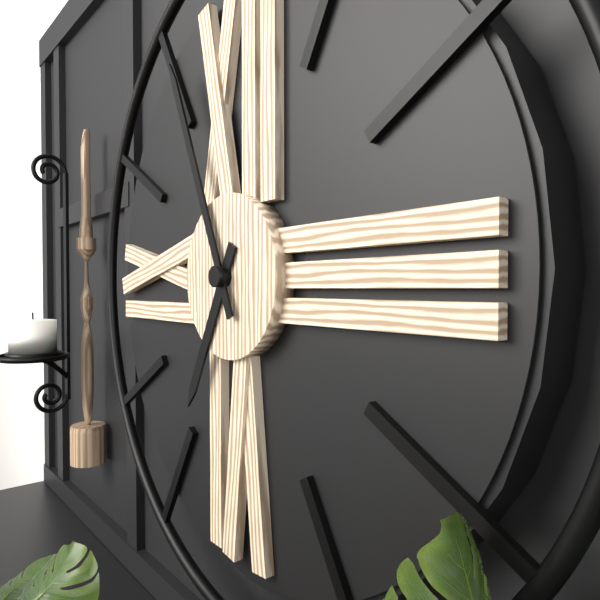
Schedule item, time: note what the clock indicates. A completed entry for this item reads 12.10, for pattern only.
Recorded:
6.56
